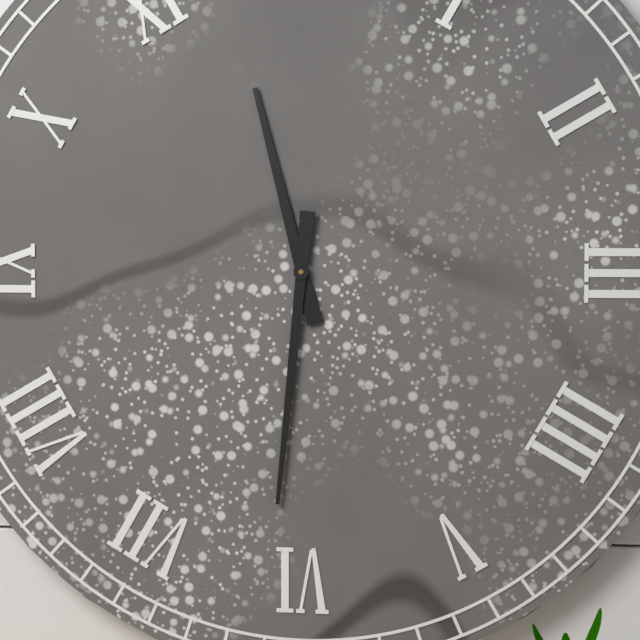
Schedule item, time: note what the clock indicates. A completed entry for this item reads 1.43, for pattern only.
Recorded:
11.31
